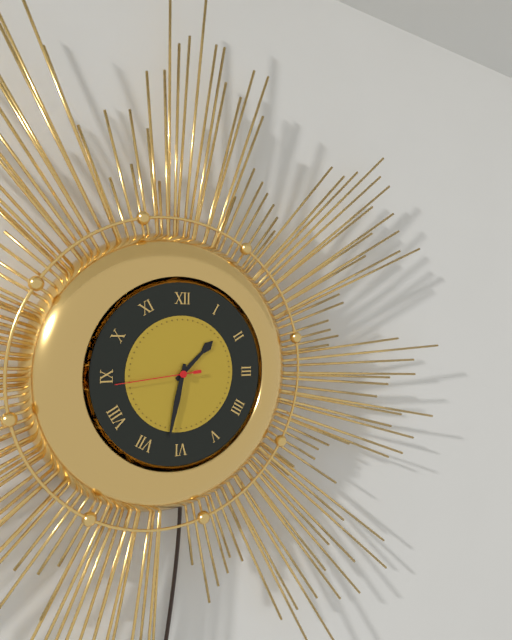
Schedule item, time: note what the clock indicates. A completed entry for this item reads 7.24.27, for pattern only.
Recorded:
1.32.44
